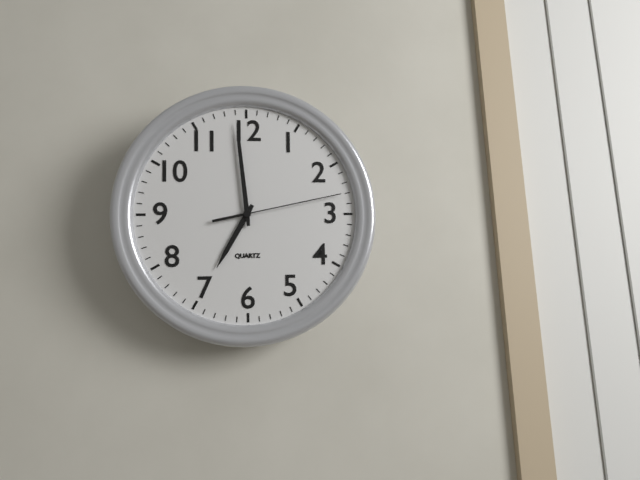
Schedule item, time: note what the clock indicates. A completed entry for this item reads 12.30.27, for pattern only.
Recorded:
6.59.13
